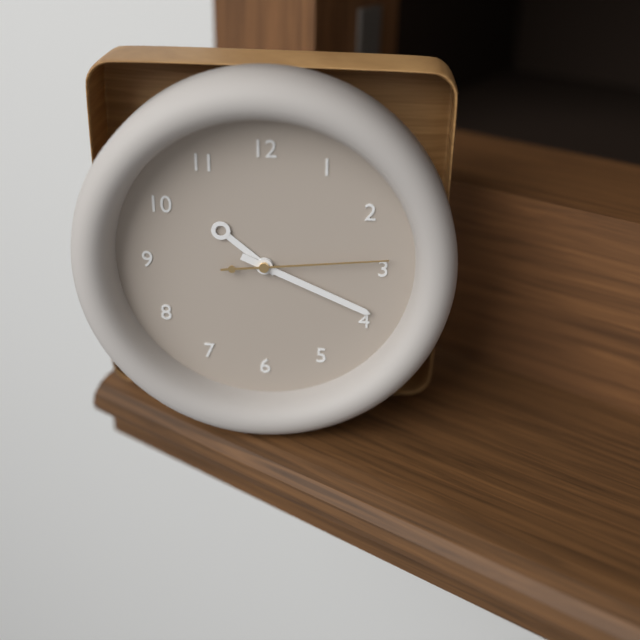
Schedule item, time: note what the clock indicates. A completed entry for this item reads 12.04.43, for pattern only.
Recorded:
10.19.14
